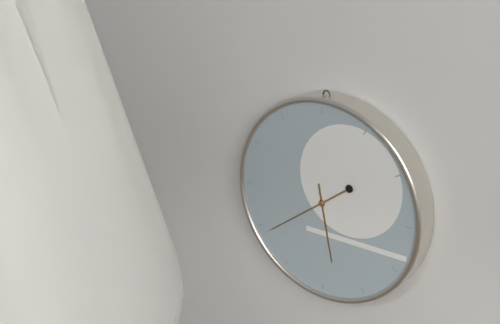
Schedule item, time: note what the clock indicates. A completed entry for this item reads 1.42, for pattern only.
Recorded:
5.39
